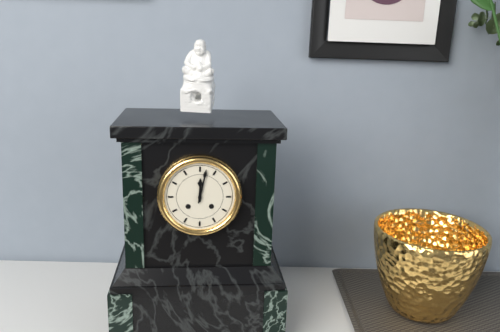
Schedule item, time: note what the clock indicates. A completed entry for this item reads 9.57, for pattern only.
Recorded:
12.02
